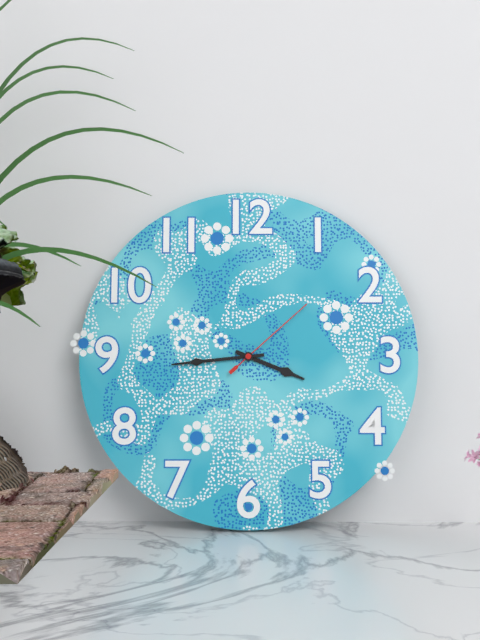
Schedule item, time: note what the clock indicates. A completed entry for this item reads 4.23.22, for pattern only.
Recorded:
3.44.08
